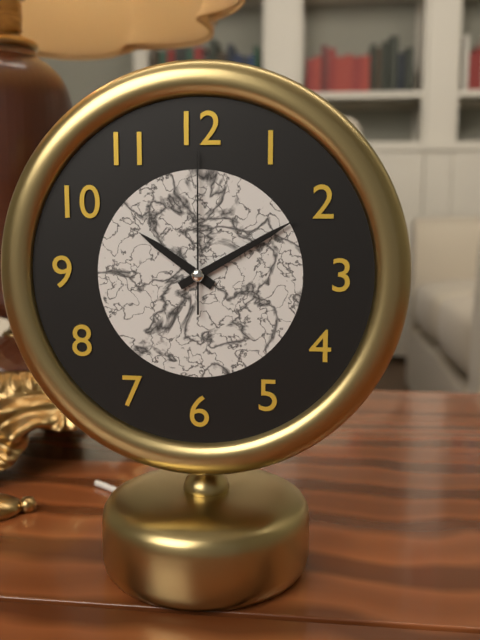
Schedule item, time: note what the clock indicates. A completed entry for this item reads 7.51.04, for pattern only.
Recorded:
10.10.00
